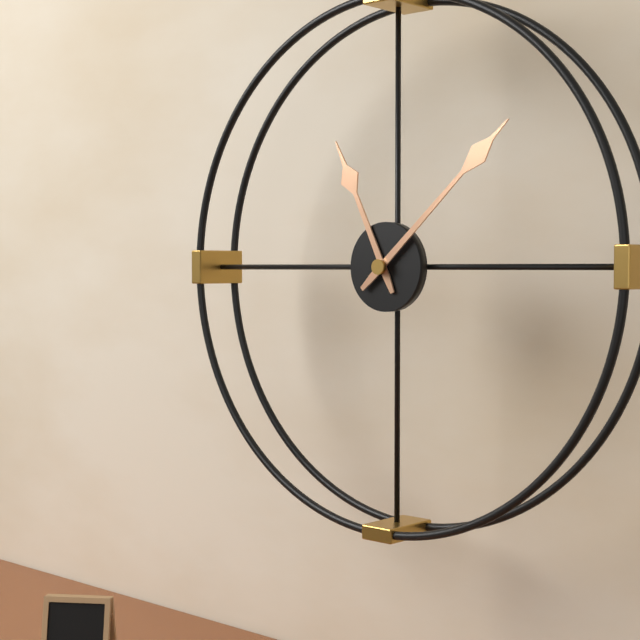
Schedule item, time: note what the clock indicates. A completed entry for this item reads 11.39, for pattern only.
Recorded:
11.08
